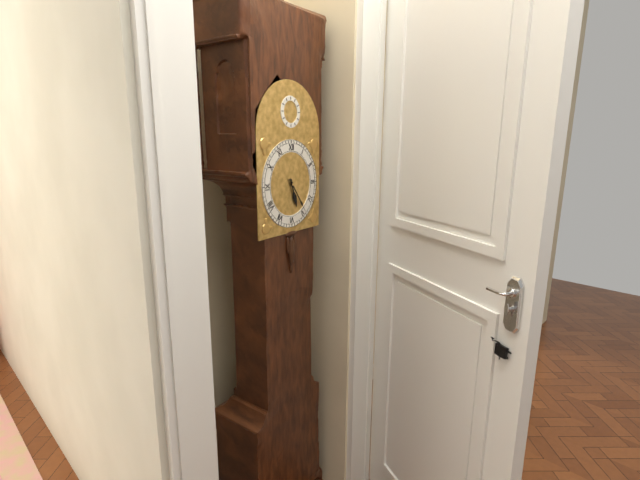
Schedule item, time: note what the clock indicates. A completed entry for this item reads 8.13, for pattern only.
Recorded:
5.24
